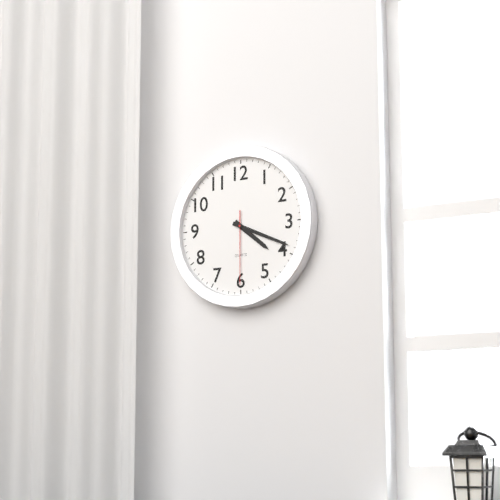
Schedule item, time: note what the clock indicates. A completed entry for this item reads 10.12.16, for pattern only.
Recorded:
4.19.30
